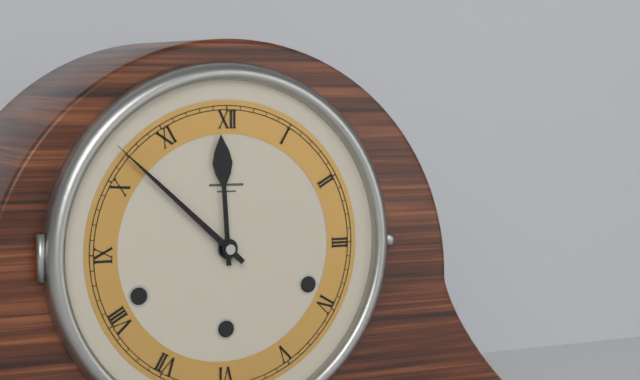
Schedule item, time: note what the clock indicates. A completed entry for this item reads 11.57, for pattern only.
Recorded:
11.52
